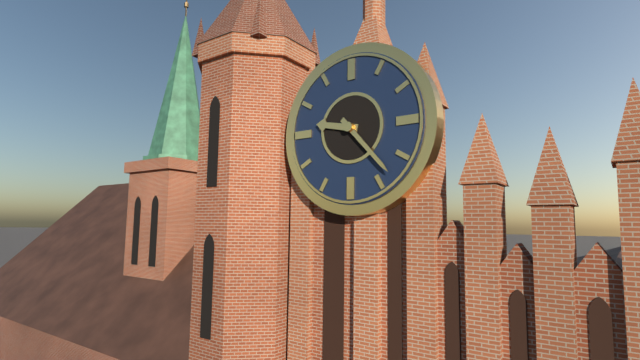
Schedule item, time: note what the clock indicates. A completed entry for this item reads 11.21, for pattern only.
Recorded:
9.23
